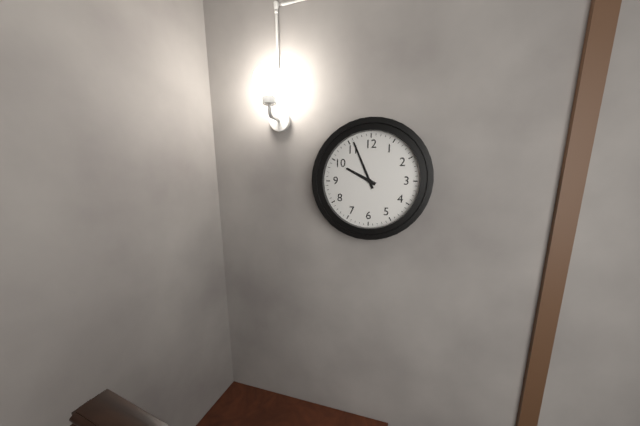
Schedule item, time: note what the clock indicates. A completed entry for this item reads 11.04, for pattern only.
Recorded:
9.56
